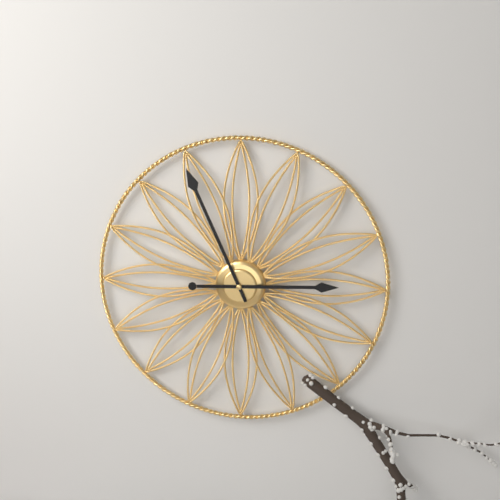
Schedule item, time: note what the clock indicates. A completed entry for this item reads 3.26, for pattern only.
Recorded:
2.56
